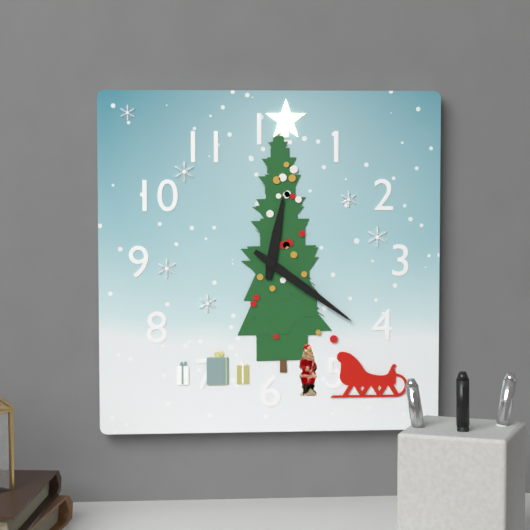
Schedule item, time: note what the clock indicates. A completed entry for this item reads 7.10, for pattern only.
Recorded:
12.21
